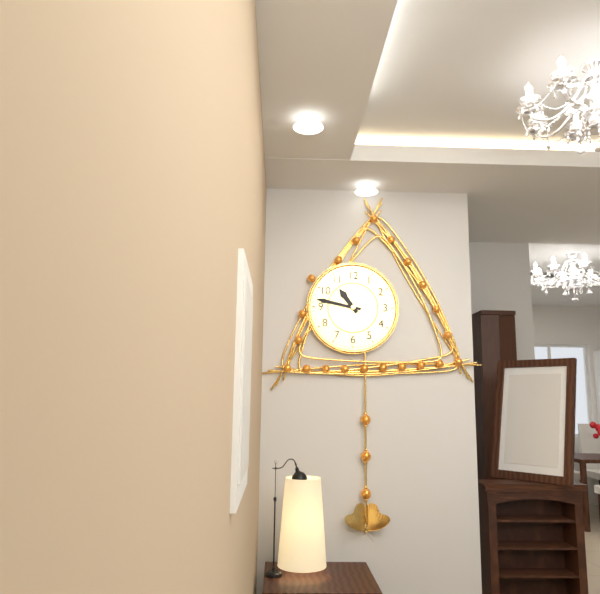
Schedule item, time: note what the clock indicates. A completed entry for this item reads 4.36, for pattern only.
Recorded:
10.47
